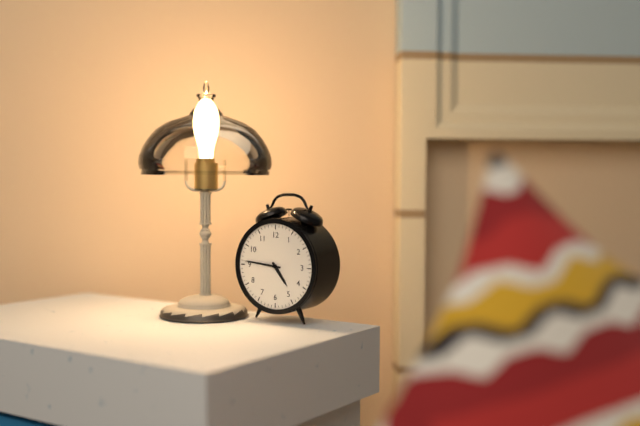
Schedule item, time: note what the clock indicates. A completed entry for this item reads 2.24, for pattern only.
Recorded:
4.46
